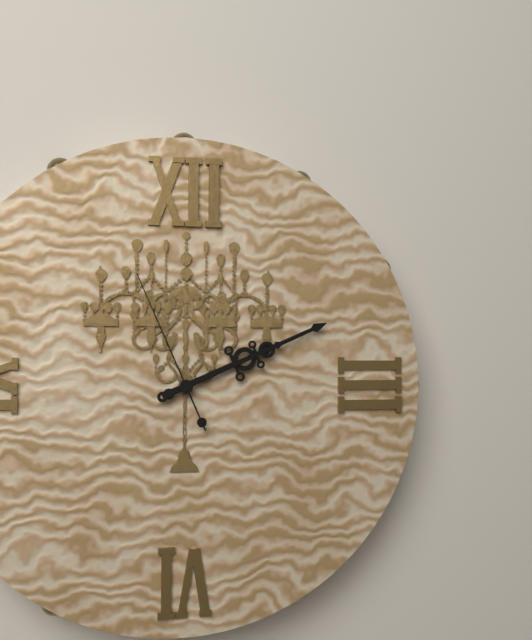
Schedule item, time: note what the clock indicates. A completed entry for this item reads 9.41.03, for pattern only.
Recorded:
2.11.56
